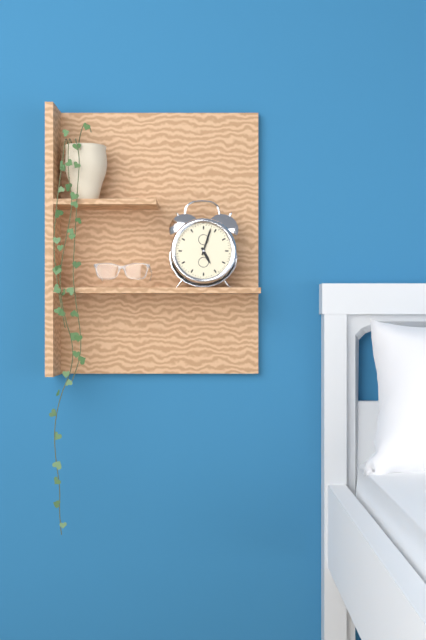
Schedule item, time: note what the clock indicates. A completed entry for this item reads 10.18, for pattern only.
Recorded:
5.03
